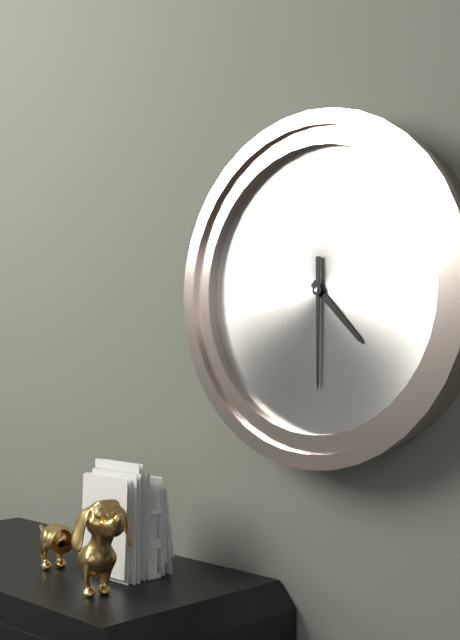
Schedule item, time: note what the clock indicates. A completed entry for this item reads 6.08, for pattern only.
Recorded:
4.30
